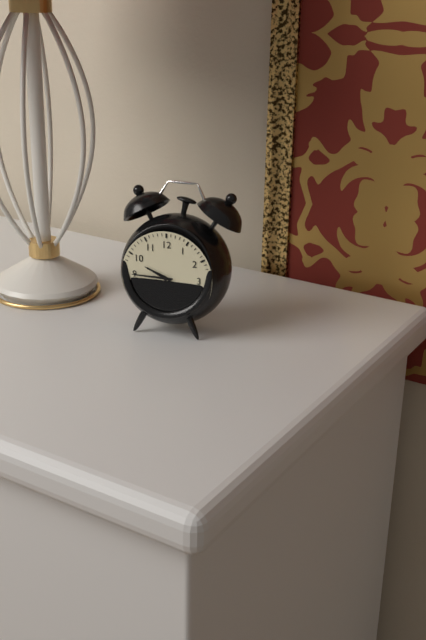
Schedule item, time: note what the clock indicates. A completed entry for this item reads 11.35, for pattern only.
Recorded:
9.45
